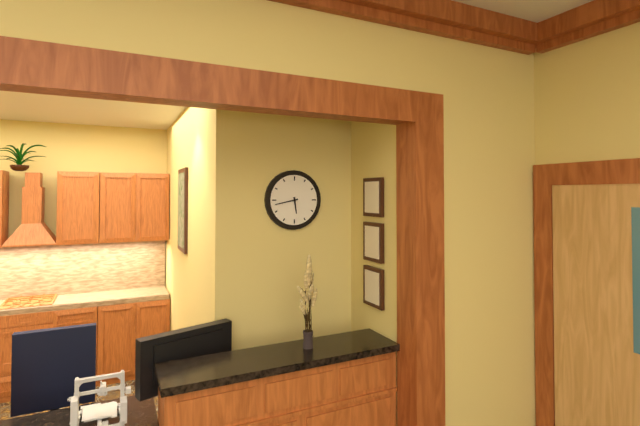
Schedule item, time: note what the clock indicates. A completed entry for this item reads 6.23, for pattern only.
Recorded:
5.43
